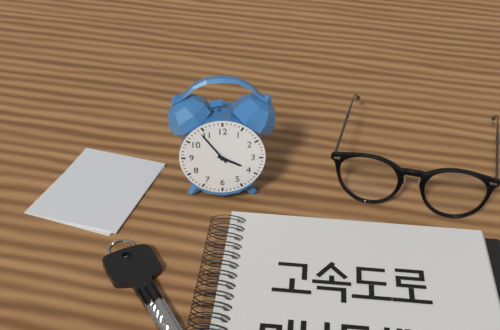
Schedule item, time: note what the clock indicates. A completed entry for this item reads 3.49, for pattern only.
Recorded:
3.54
